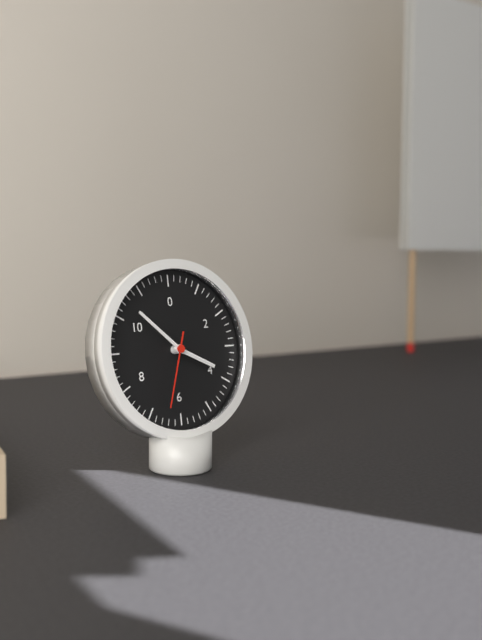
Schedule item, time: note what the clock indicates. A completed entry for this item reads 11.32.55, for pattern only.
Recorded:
3.52.33
